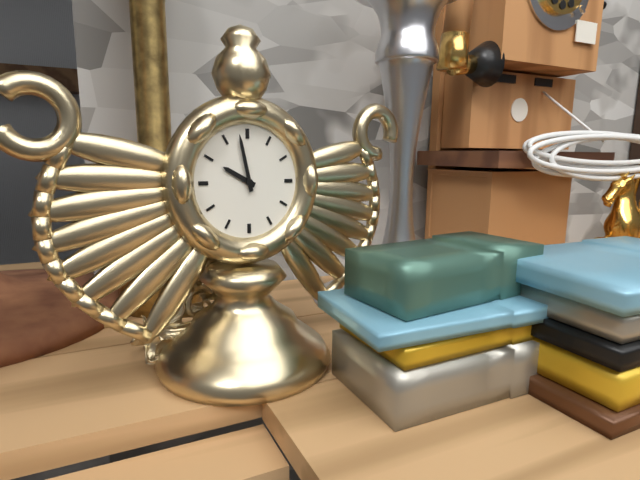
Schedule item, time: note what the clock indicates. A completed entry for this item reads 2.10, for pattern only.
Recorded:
9.58
